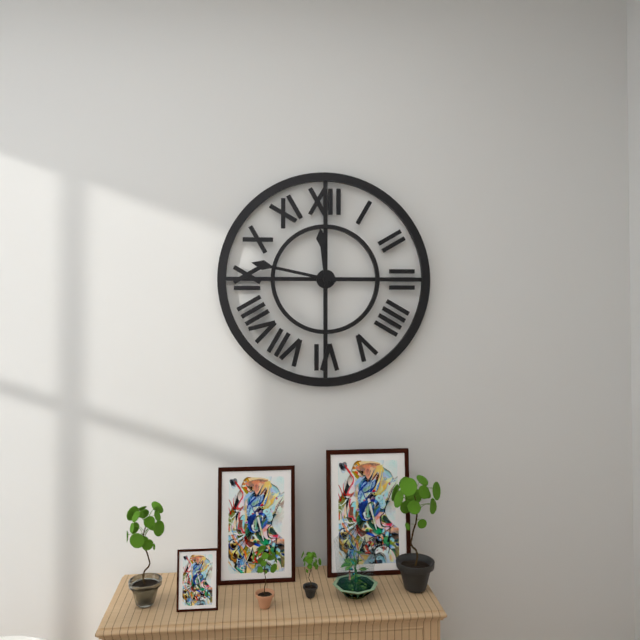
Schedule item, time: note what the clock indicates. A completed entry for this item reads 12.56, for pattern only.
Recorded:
11.47
